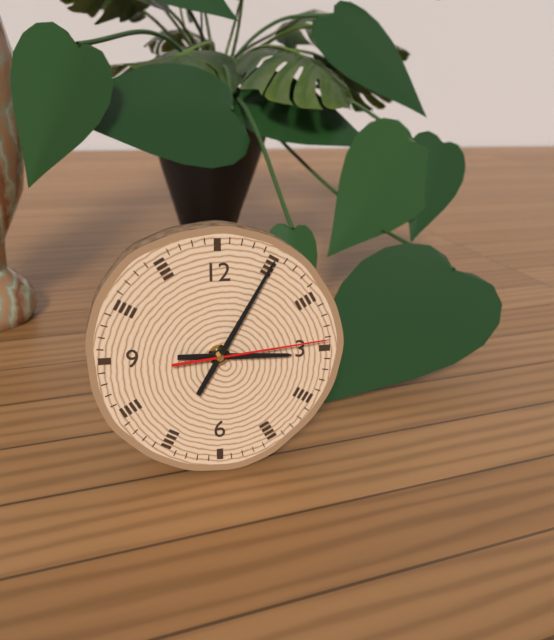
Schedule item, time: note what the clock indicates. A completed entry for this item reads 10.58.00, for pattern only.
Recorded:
3.05.14
